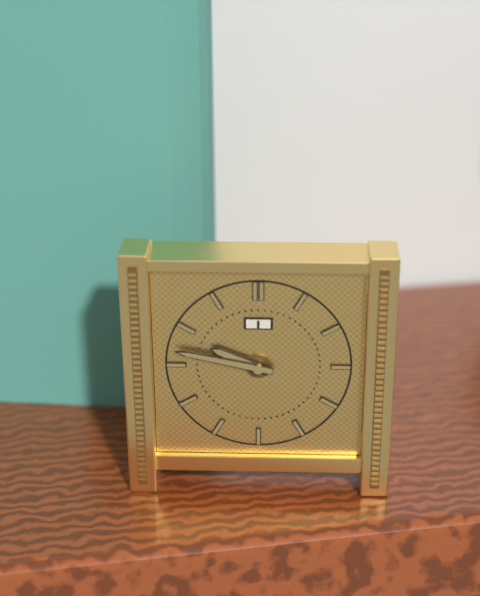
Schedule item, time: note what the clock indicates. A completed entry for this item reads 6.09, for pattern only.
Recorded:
9.47
